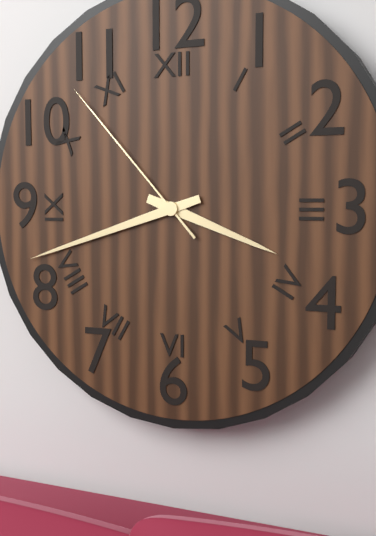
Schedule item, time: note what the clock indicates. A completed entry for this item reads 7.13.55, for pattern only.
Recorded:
3.42.53
